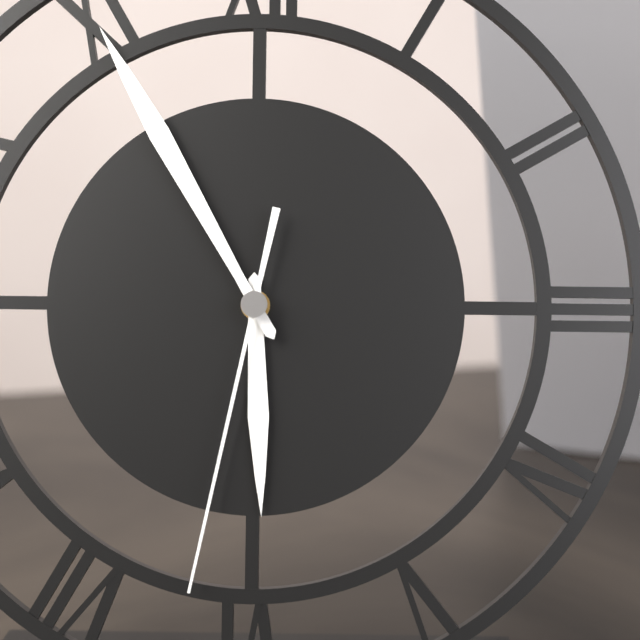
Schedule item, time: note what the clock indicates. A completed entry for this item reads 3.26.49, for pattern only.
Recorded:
5.55.32
